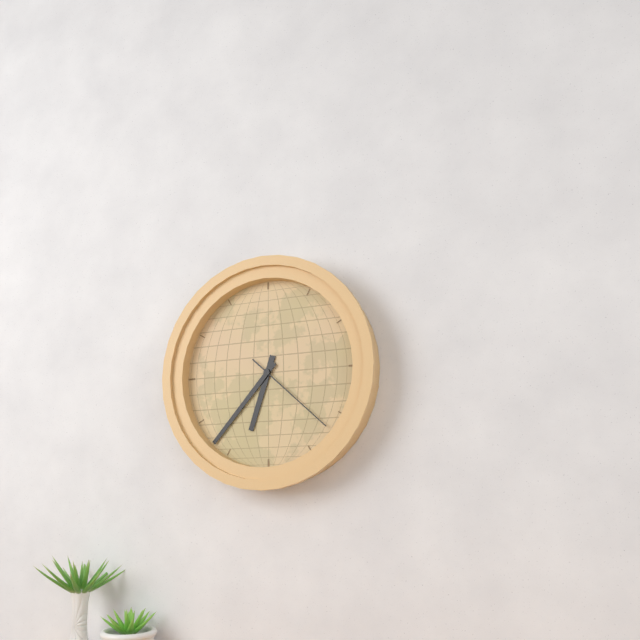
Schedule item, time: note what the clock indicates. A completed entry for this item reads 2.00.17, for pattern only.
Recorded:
6.37.22
